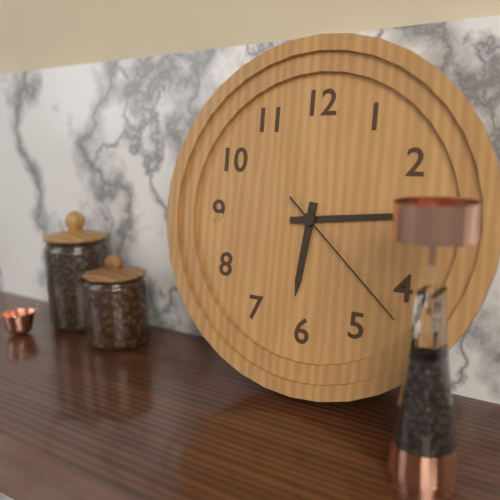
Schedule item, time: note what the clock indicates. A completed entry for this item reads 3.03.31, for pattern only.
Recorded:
6.14.22
